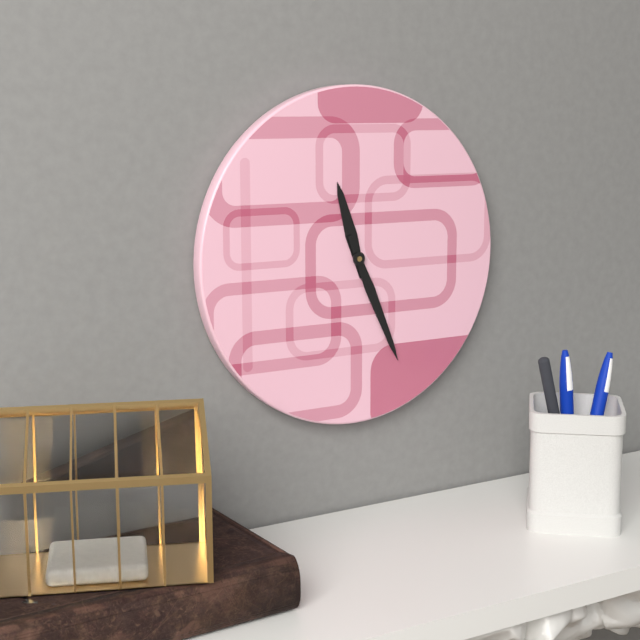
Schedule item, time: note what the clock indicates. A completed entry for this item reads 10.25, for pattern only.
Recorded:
11.26
